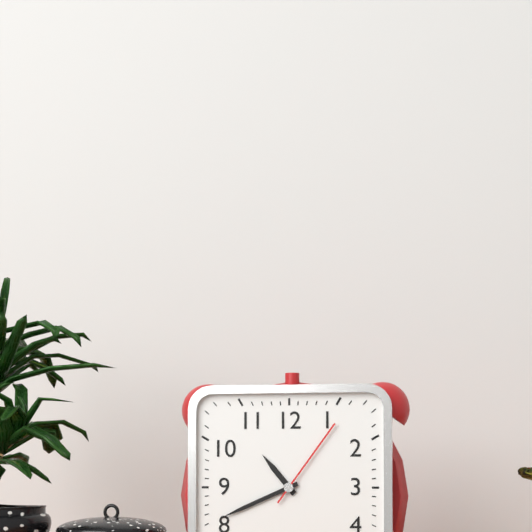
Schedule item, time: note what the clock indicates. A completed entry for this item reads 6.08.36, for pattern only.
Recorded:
10.41.06
